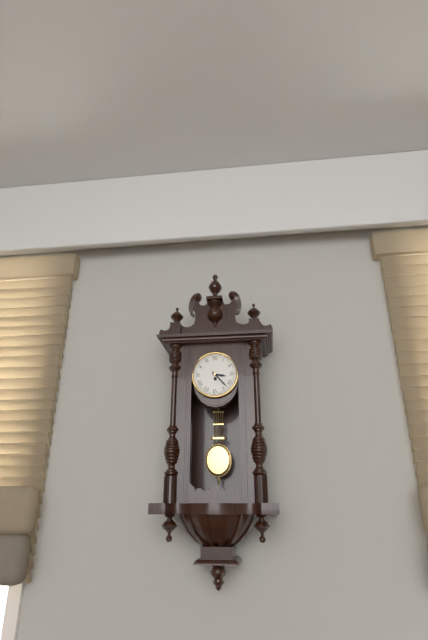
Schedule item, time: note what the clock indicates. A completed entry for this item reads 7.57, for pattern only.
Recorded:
3.23
